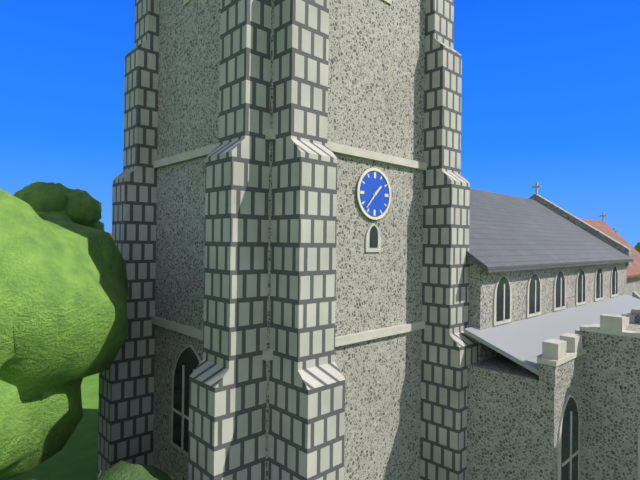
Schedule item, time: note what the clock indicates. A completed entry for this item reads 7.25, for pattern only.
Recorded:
1.37
